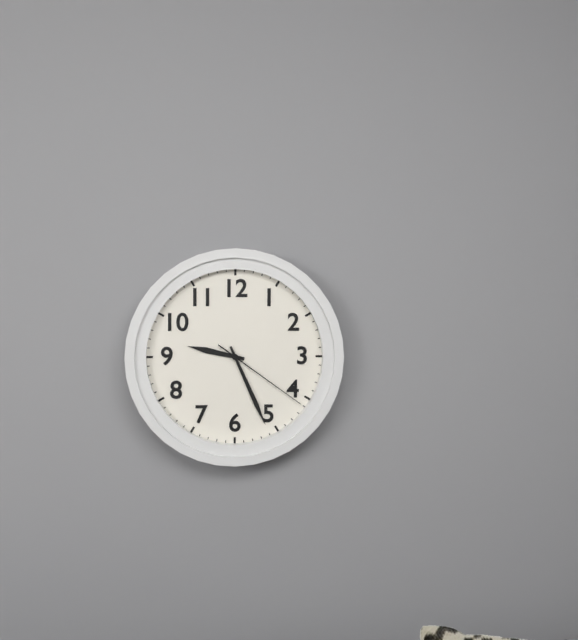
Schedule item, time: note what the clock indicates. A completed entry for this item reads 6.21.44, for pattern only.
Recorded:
9.26.21
